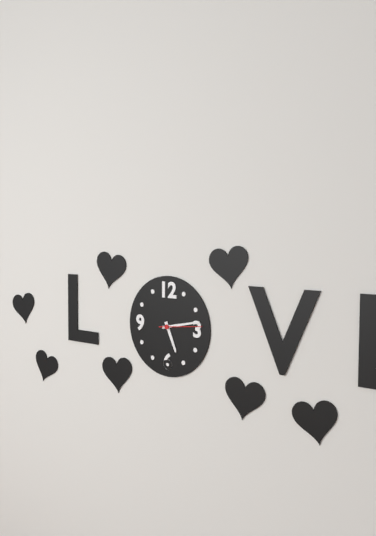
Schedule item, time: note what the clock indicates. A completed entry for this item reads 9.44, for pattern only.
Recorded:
5.13
